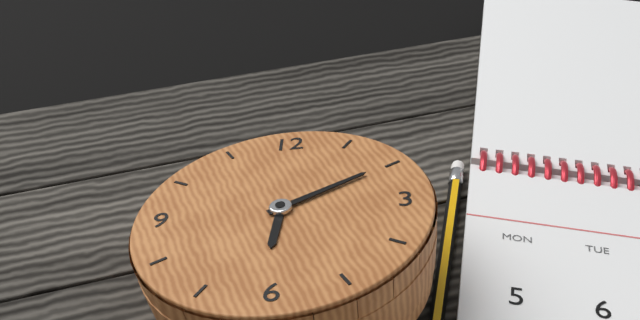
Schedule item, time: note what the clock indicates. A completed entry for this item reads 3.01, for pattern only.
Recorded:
6.10
